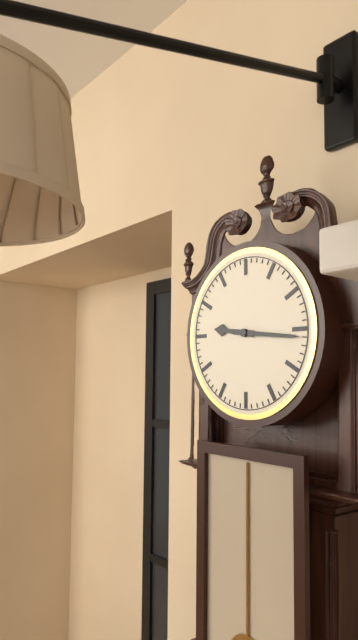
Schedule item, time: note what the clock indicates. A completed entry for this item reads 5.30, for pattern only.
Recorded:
9.16
